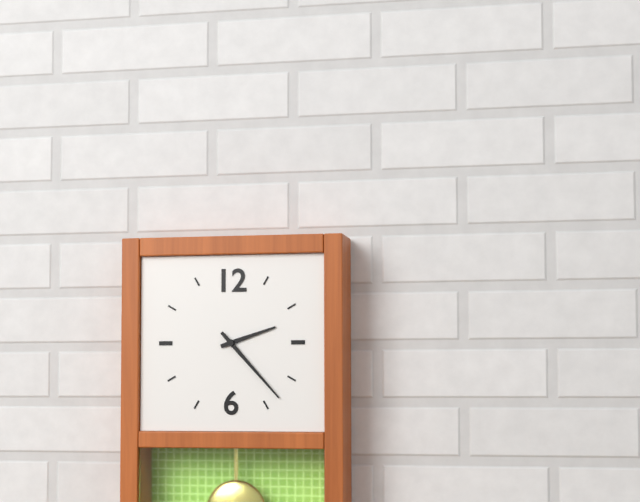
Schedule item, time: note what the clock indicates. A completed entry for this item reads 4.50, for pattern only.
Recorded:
2.23
